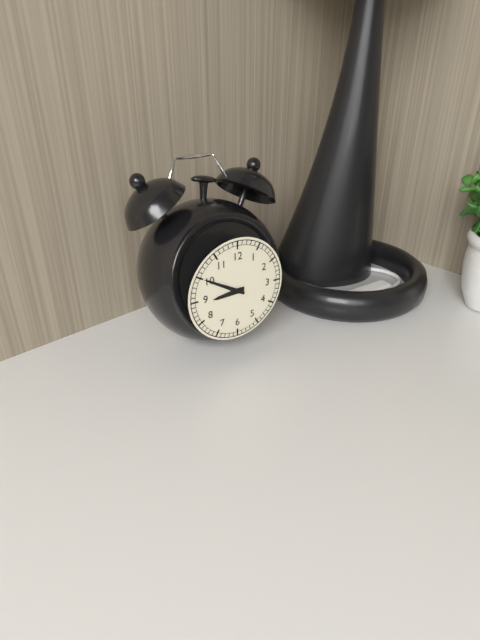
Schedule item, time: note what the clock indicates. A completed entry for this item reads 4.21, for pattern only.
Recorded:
8.50
